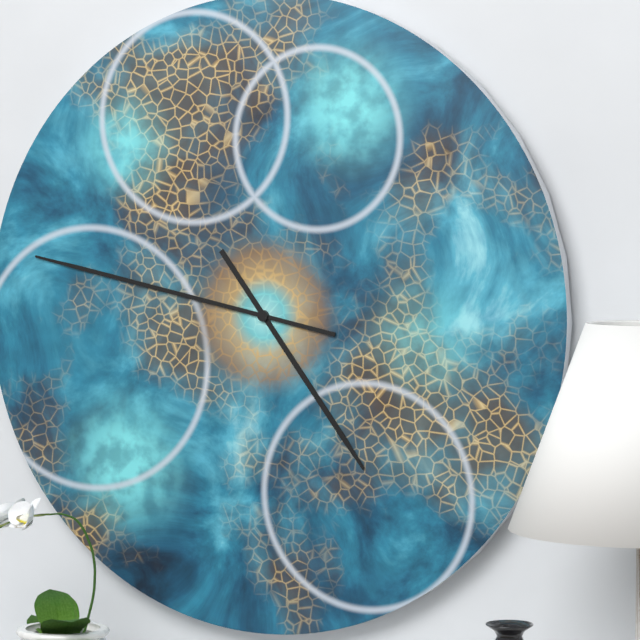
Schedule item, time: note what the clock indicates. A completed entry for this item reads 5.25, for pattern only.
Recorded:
4.47
